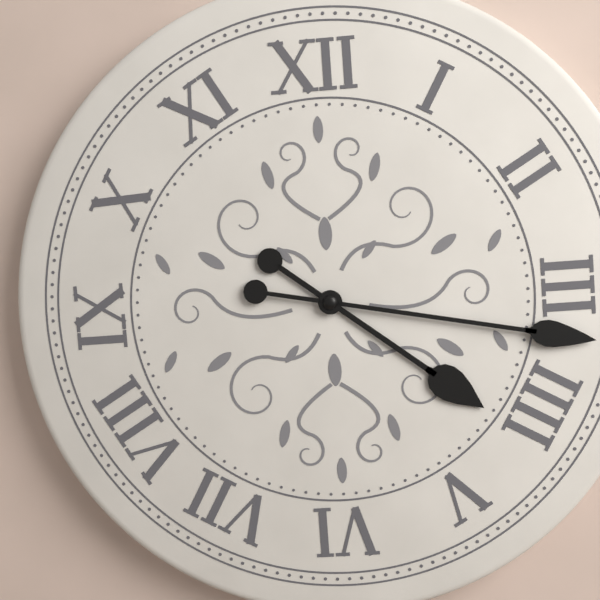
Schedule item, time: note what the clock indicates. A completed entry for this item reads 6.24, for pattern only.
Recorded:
4.17
